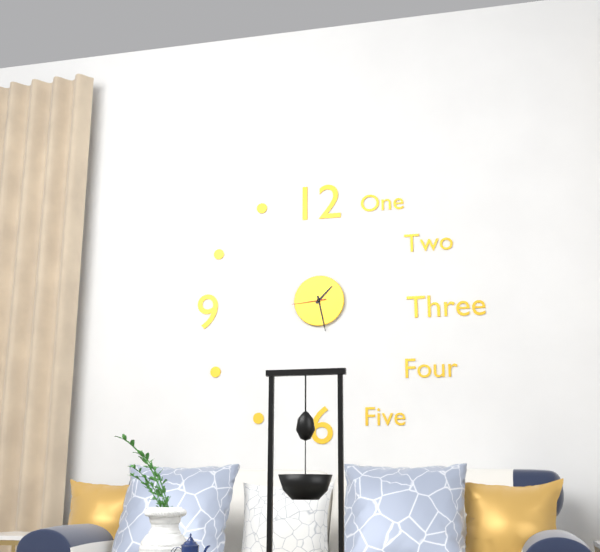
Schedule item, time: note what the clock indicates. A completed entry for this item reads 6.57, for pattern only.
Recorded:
1.28
